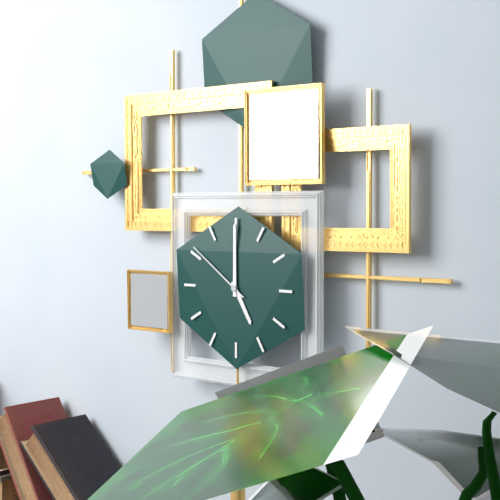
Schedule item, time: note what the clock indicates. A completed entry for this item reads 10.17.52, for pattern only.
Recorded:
5.00.51
